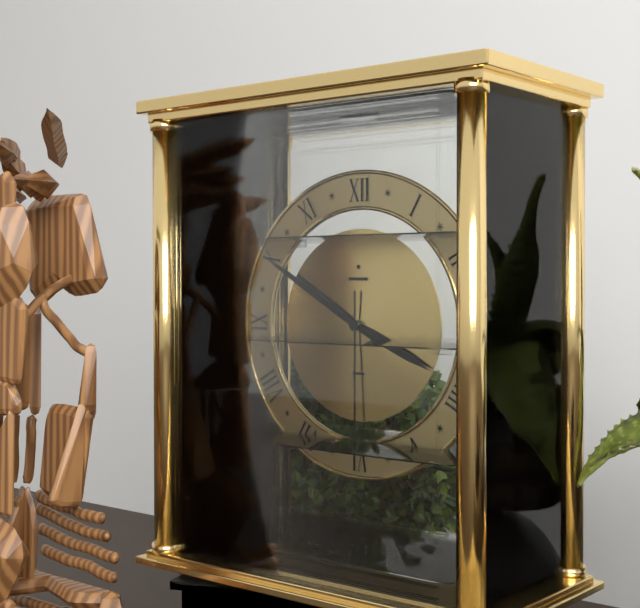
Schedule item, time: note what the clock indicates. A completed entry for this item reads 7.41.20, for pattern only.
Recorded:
3.50.30
